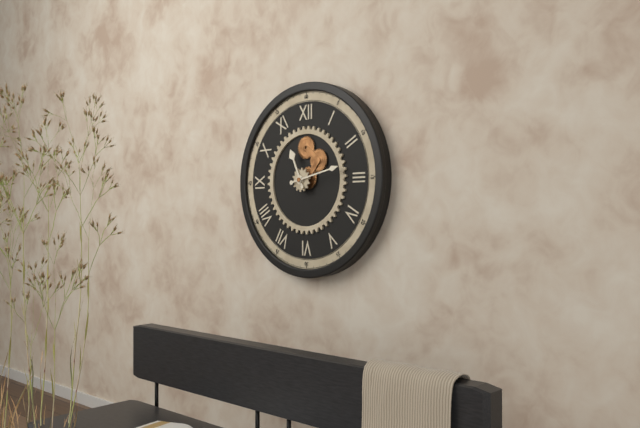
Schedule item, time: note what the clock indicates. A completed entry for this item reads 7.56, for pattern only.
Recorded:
11.13
